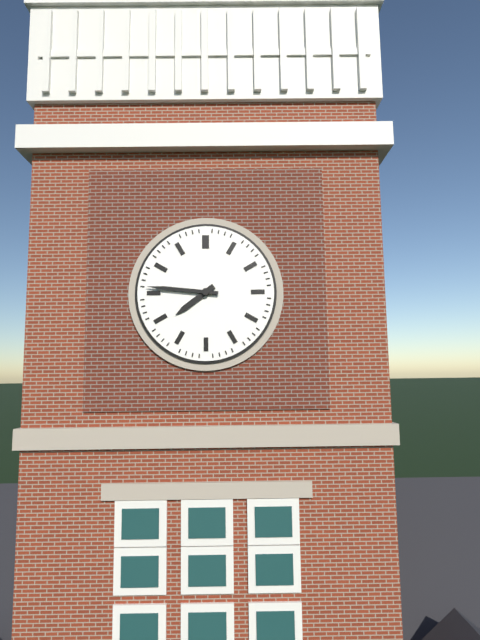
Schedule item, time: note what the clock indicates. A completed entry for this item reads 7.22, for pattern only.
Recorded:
7.46
